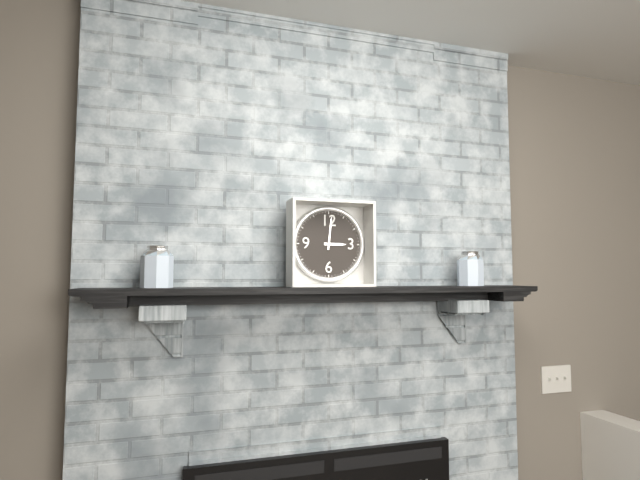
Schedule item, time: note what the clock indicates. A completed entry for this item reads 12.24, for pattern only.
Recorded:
3.01
